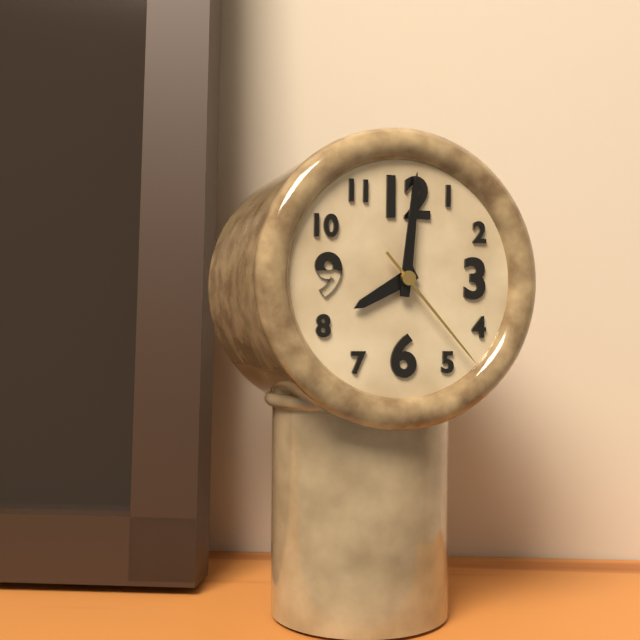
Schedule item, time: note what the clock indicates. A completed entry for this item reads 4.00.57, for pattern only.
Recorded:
8.01.23
